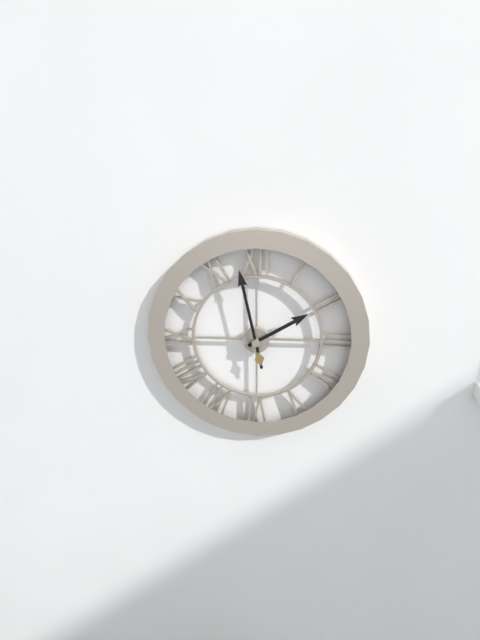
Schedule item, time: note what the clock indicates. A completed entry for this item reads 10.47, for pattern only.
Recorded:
1.58
